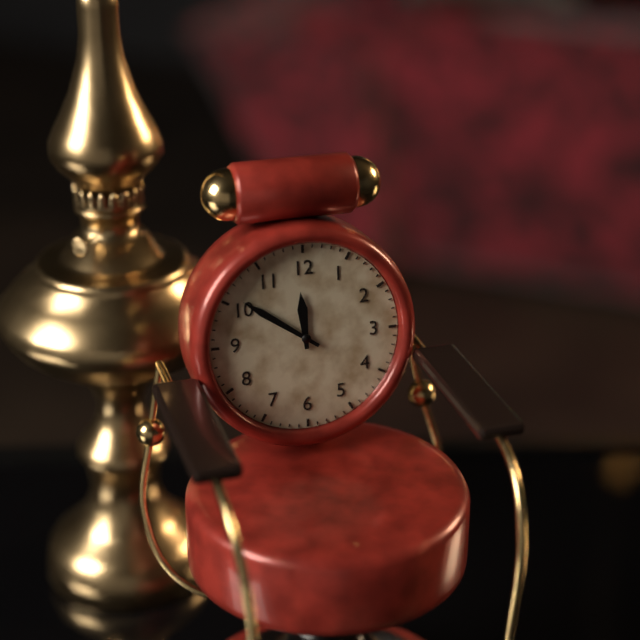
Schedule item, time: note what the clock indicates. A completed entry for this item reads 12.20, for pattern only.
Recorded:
11.51
